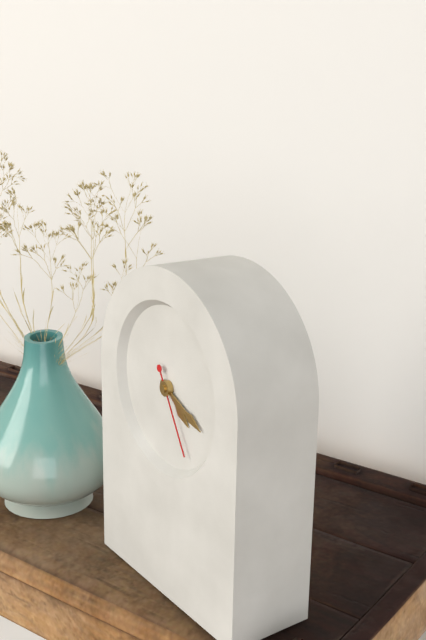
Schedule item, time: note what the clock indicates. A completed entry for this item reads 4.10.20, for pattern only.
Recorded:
4.19.25
